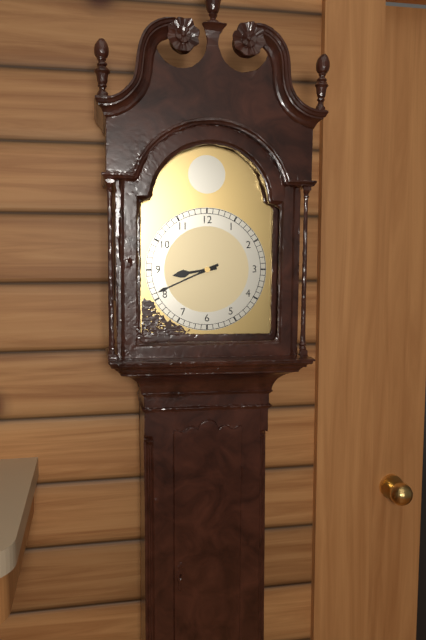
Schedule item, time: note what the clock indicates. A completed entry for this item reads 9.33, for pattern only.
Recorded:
8.41
